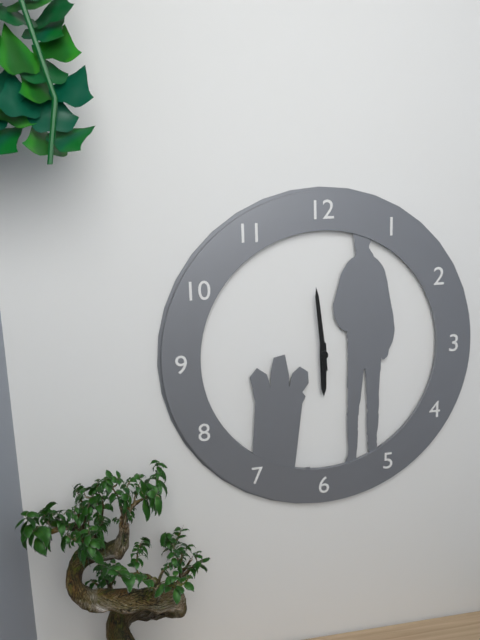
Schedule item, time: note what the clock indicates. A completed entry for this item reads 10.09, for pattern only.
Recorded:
5.59
